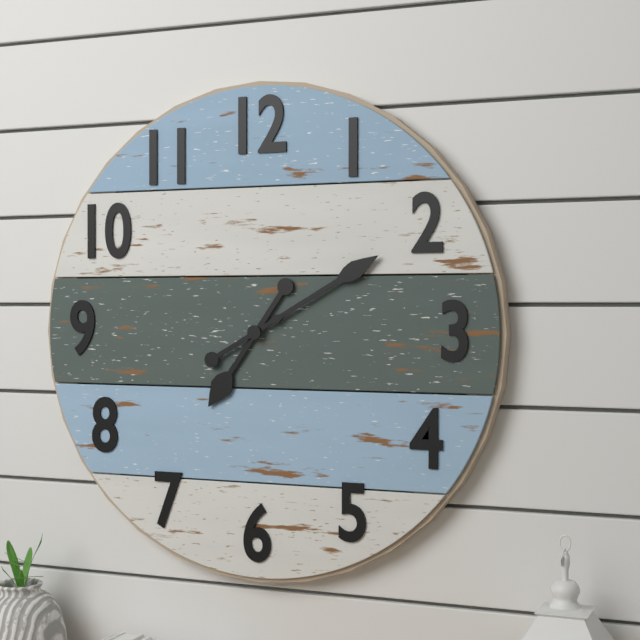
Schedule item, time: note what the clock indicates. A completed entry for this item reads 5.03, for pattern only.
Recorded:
7.10
